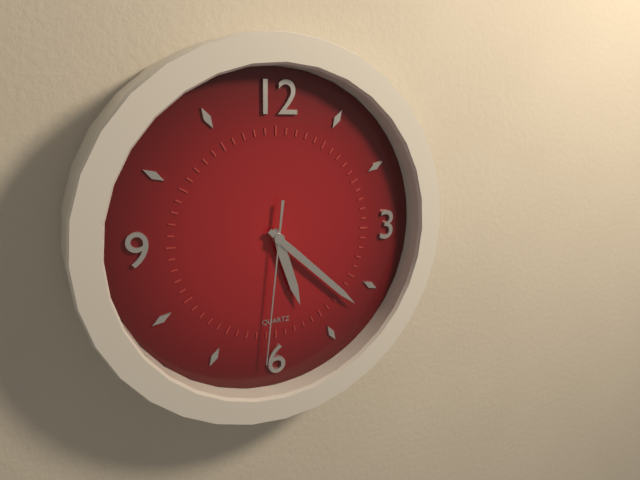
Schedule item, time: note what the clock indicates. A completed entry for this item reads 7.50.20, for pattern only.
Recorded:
5.22.31
